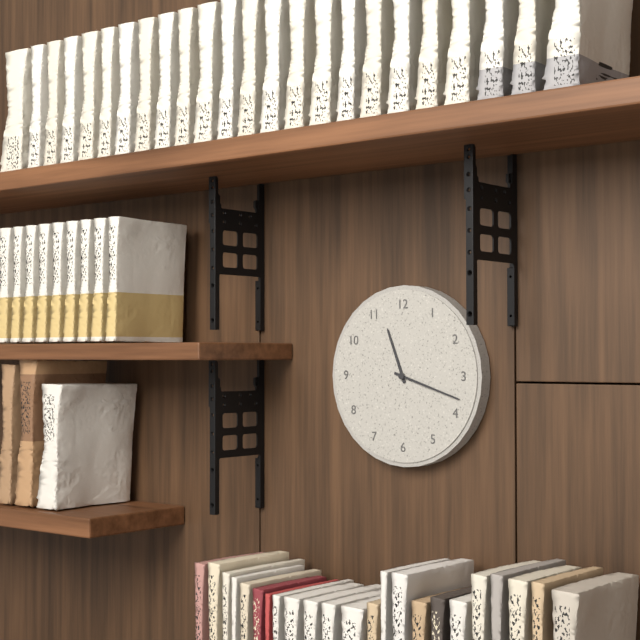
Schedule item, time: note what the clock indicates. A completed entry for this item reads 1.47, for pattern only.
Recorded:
11.18
